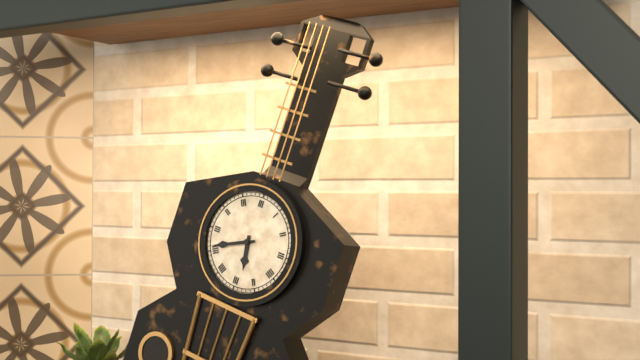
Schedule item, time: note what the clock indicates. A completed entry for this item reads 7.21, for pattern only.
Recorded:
5.41
